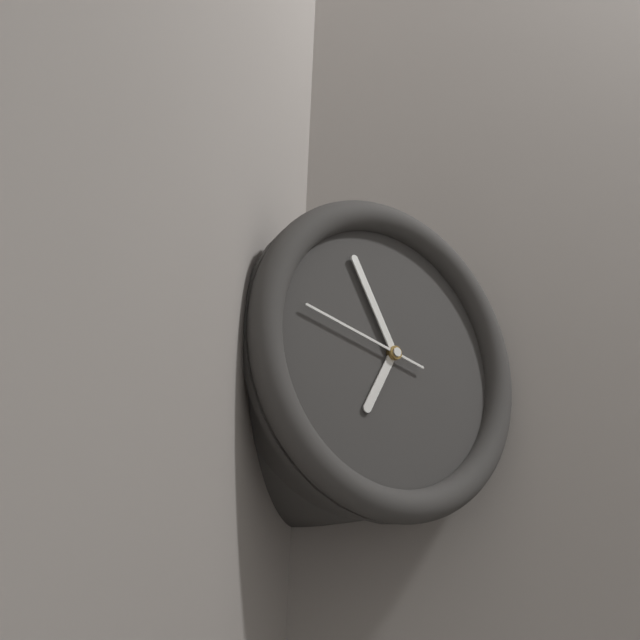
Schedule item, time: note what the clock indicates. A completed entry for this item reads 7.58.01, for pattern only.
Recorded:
6.55.47
